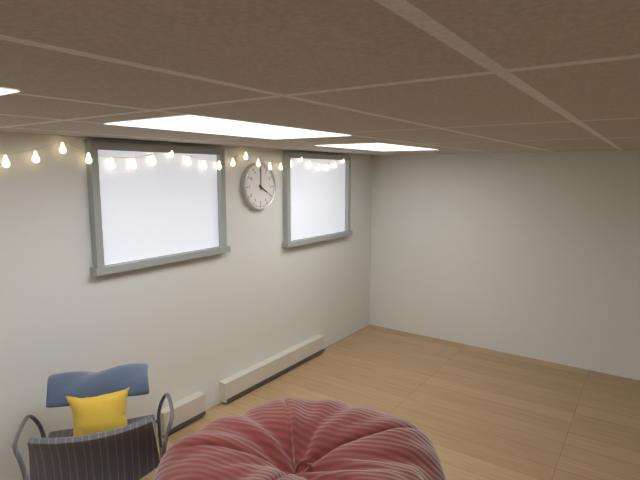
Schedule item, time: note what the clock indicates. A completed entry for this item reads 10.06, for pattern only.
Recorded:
4.00
